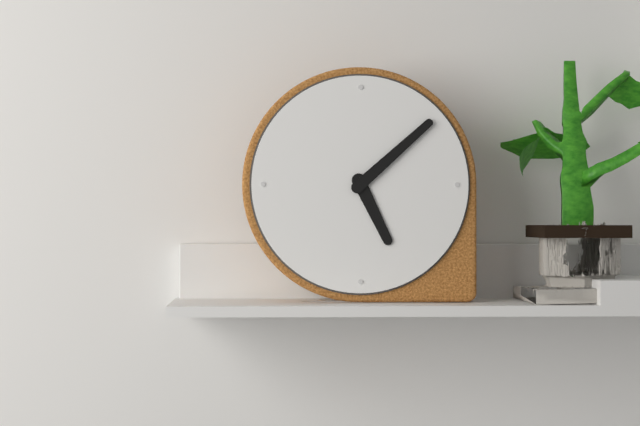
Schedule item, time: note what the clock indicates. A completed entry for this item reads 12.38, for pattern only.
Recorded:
5.08
